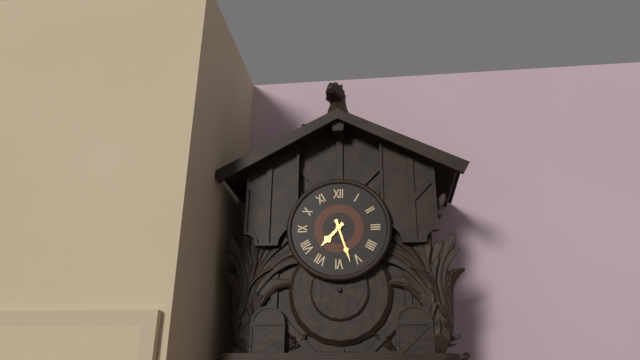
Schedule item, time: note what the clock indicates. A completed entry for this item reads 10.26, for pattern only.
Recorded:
7.27
